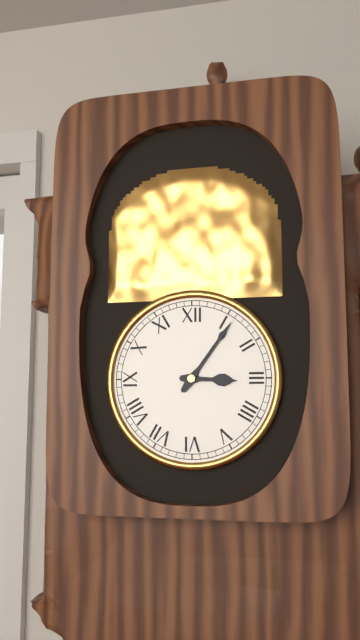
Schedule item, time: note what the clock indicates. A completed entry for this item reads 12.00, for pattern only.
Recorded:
3.06
